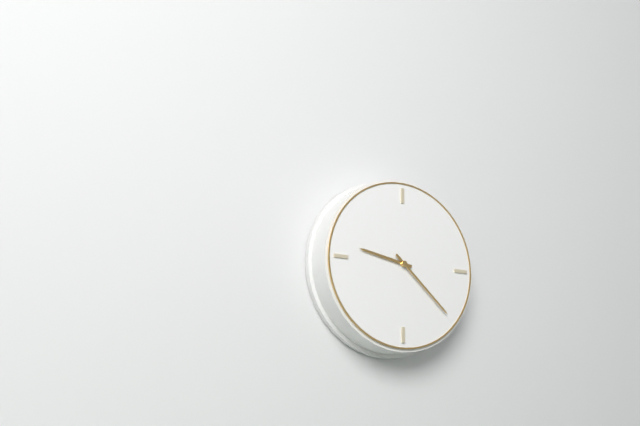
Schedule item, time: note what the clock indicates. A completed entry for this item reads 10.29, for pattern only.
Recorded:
9.22
